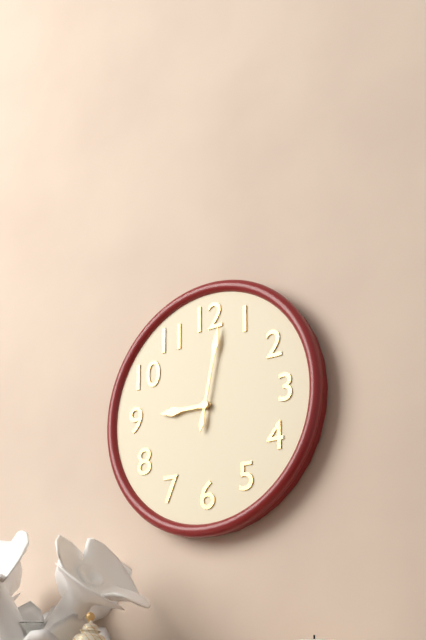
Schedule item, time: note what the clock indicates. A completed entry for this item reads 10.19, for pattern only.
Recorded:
9.02
